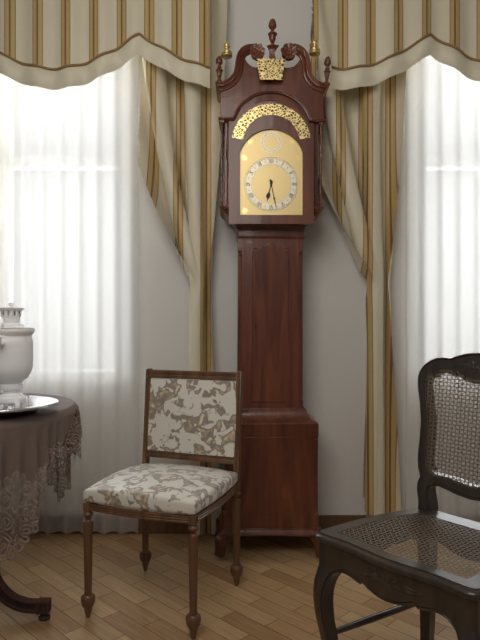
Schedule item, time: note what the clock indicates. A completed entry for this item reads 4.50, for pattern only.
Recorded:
6.28
